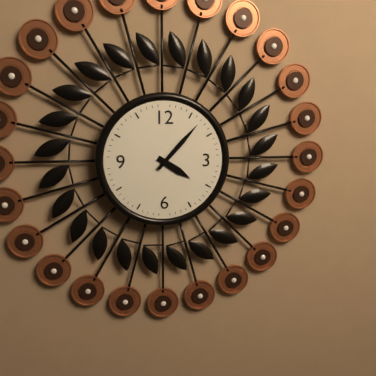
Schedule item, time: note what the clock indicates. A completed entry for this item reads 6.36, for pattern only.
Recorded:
4.07
